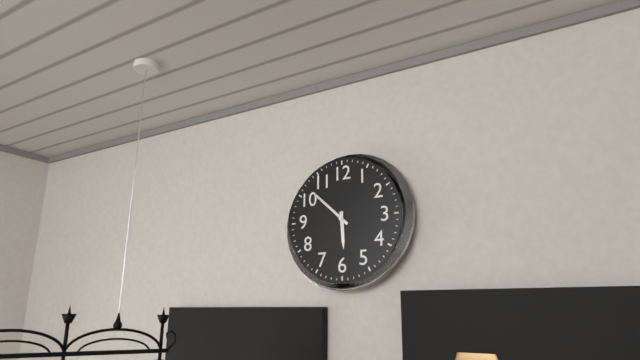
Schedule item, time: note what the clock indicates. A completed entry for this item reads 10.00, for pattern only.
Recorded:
5.52
